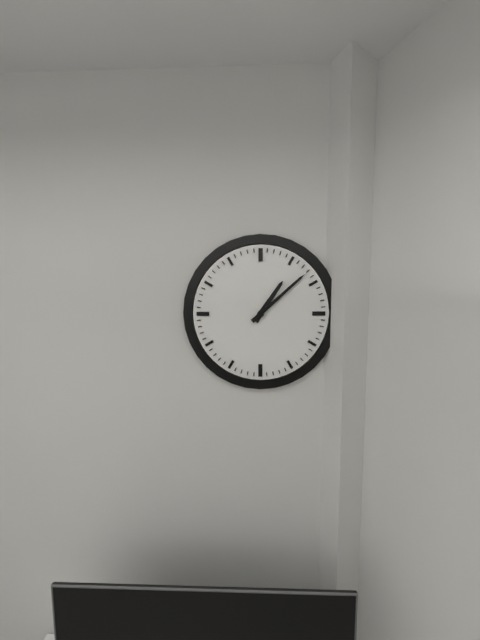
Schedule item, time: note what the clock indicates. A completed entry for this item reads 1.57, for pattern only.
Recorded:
1.08
